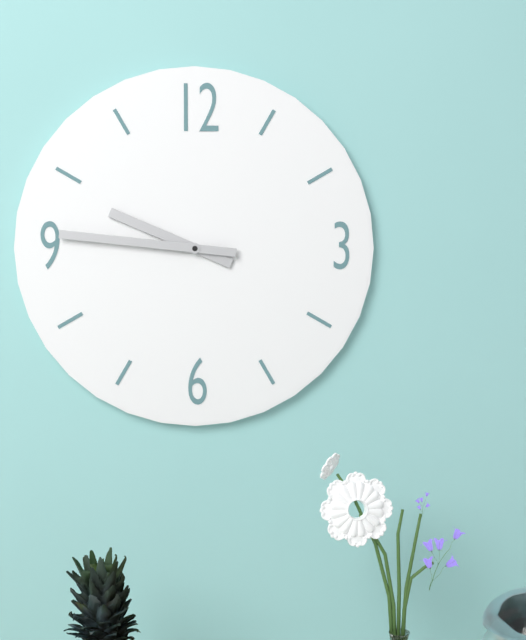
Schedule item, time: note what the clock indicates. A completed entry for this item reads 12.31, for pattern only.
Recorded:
9.46
